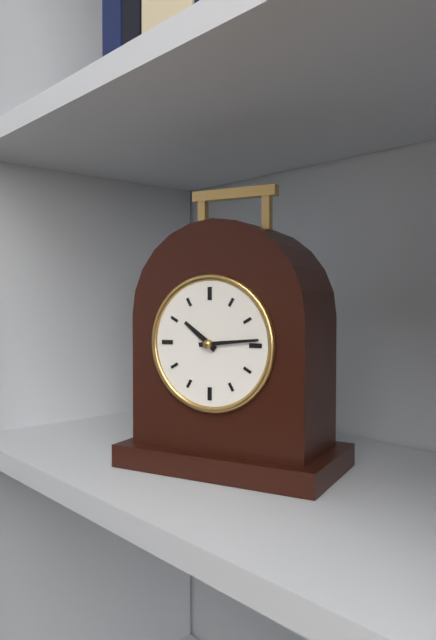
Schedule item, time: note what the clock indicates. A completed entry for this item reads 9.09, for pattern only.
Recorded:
10.14
